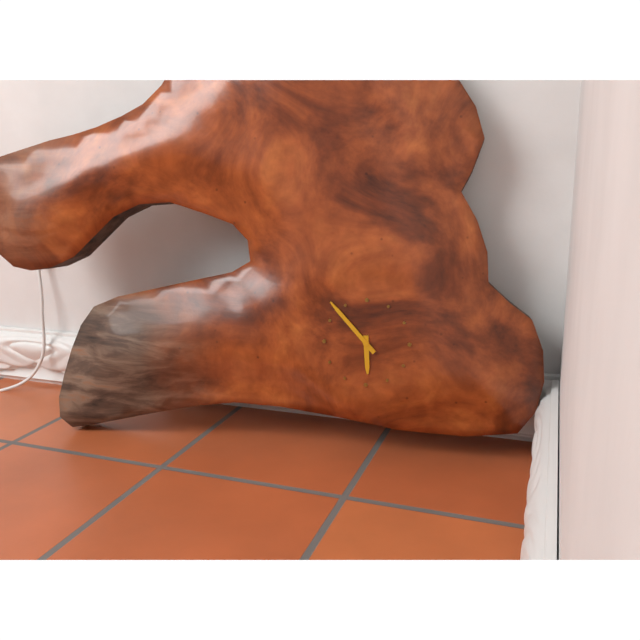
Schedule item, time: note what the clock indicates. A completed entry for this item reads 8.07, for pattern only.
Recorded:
5.53
